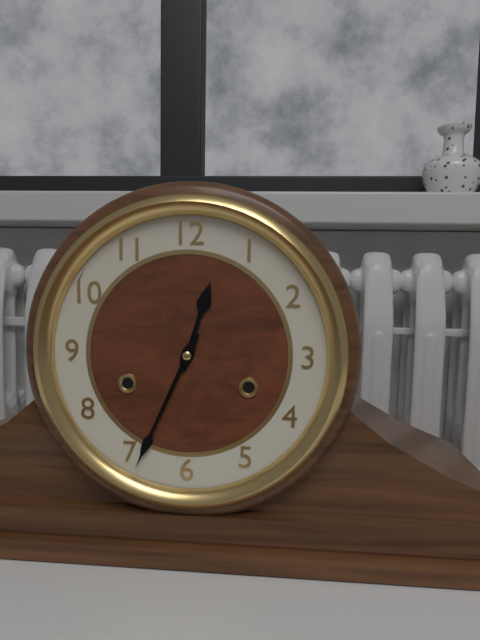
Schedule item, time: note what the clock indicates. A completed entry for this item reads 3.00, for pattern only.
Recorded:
12.34
